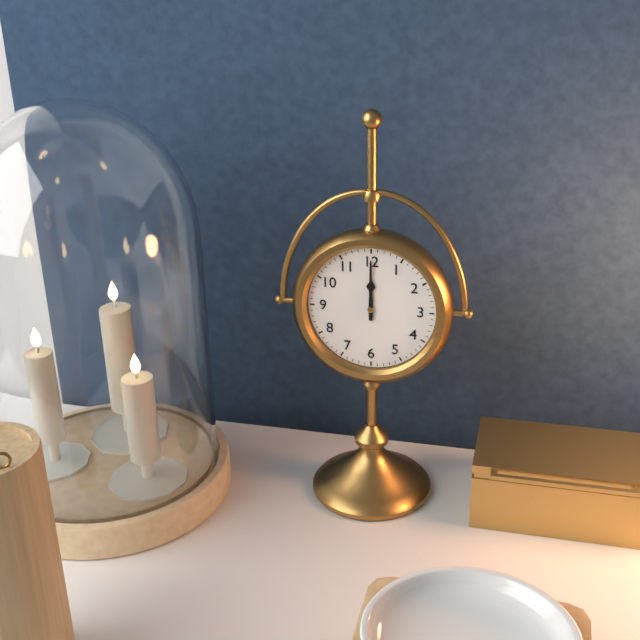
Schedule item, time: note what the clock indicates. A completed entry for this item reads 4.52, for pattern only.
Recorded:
12.00
